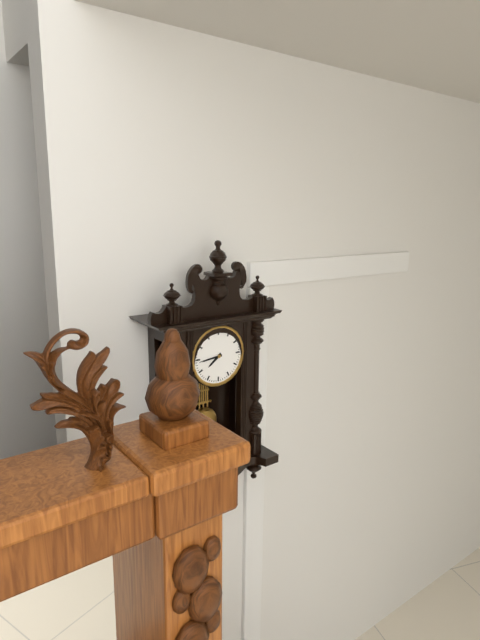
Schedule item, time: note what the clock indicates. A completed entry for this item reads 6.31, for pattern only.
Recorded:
7.44
